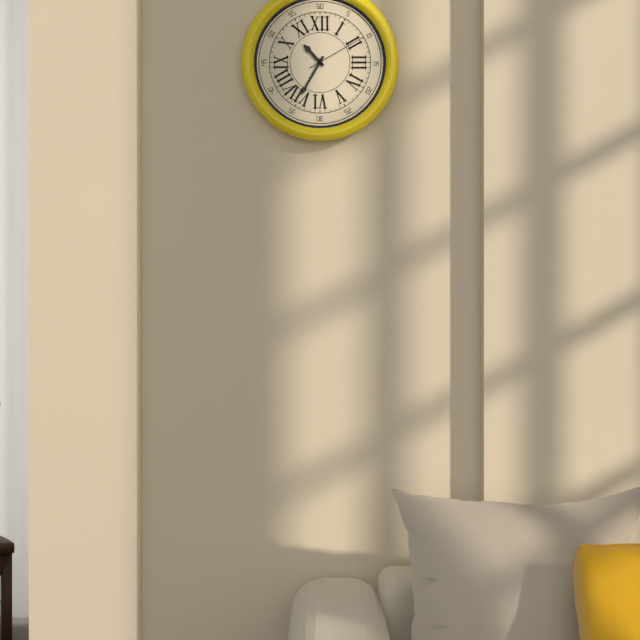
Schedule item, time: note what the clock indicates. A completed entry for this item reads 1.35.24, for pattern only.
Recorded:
10.35.10
